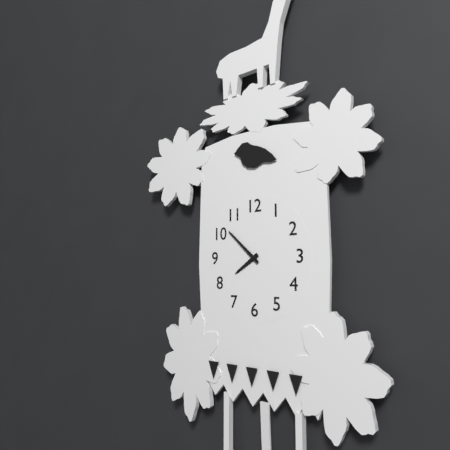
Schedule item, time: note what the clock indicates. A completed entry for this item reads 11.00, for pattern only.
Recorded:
7.52
